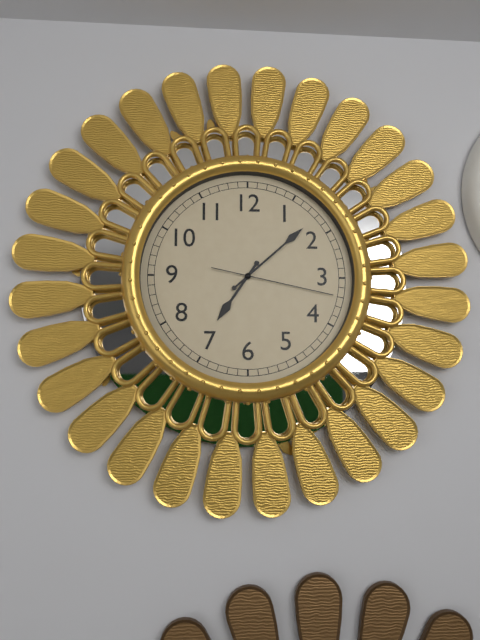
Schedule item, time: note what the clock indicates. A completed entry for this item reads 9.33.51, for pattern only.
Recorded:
7.08.17
